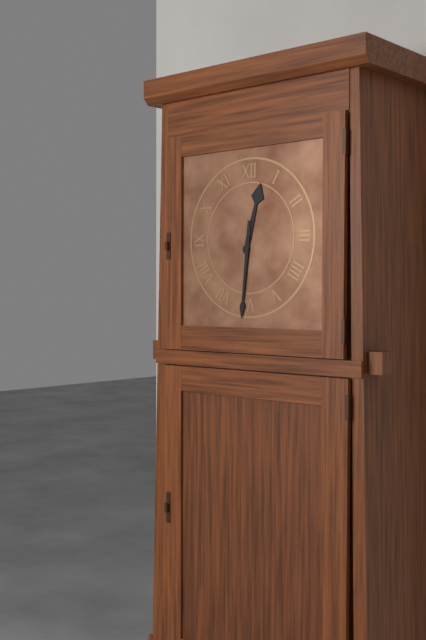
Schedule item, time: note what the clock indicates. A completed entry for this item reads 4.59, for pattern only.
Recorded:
12.31
